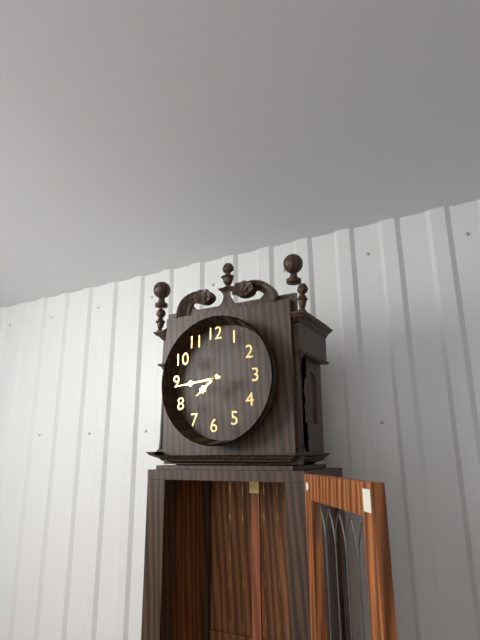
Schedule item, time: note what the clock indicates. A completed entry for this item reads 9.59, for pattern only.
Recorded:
7.44
